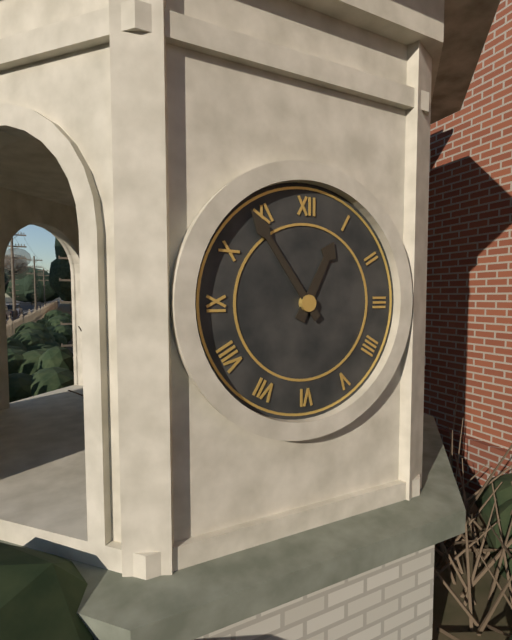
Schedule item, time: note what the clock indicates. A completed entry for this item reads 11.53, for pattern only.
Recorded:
12.54
